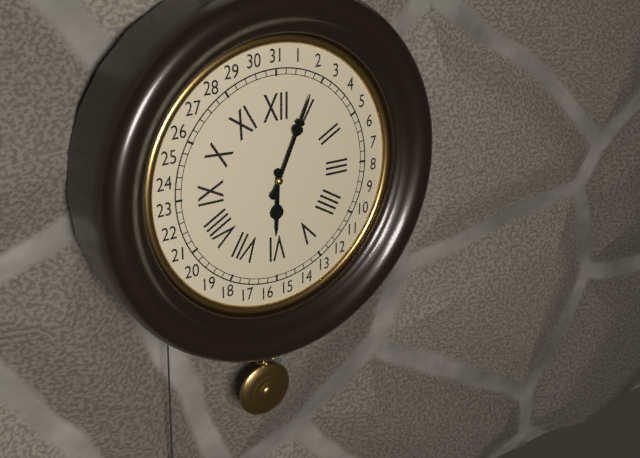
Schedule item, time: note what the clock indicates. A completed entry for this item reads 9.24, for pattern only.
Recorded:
6.04
